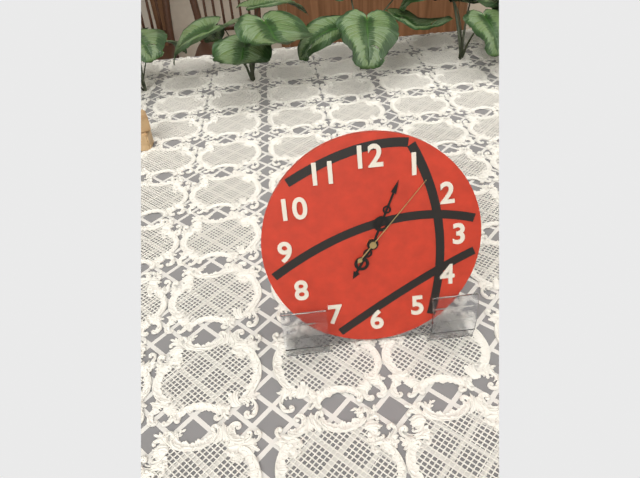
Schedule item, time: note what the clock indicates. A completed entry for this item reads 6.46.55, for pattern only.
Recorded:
7.04.07
